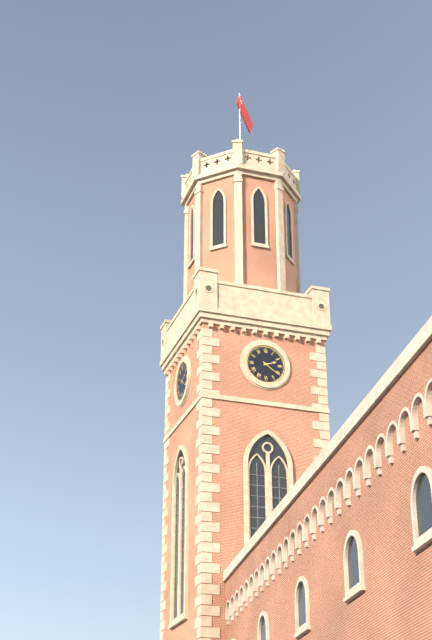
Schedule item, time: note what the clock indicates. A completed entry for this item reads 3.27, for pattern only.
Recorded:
2.21
